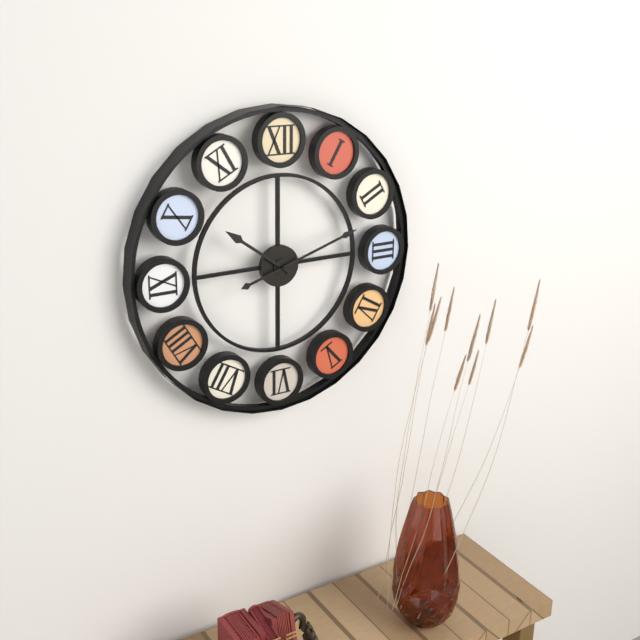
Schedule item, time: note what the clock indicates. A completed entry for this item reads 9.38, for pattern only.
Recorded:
10.12
